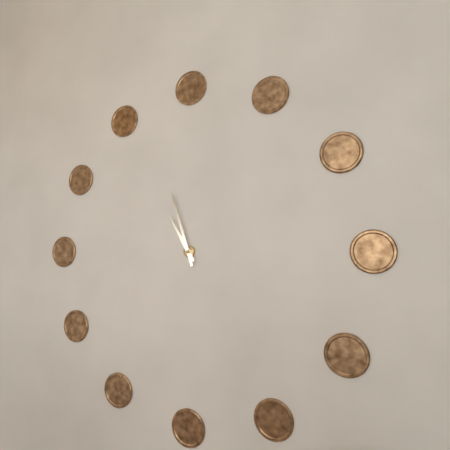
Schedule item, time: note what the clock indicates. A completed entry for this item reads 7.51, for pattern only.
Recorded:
10.57
